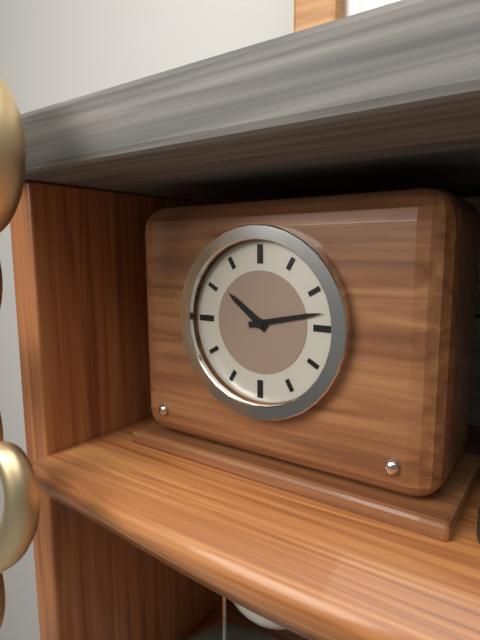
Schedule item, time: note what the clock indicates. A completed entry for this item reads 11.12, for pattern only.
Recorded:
10.13
